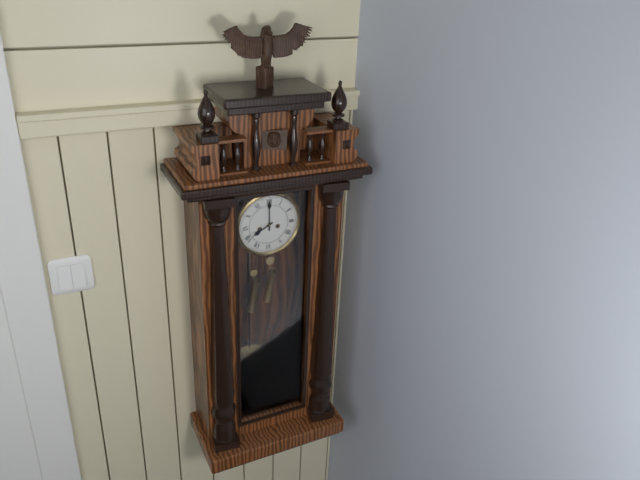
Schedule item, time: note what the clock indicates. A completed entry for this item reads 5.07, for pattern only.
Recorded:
8.00
